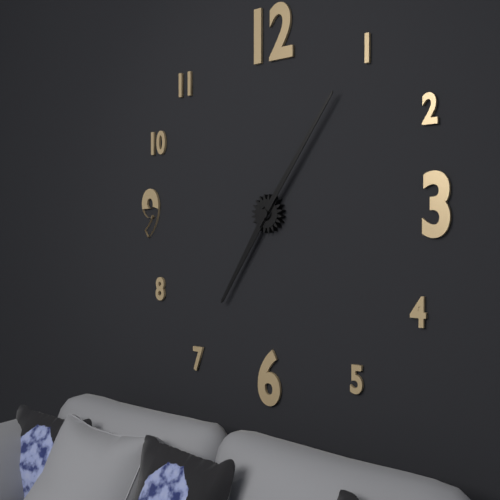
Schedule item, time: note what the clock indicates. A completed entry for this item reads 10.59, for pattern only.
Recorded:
7.06
